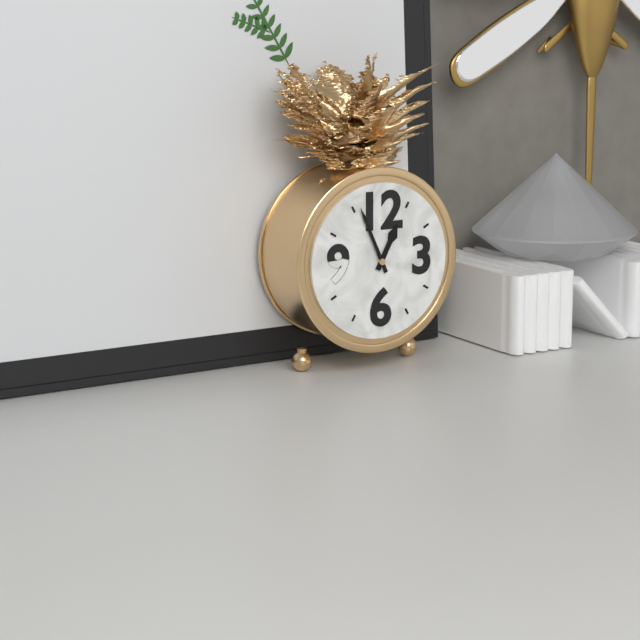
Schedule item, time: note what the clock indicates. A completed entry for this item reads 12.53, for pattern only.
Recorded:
12.56
